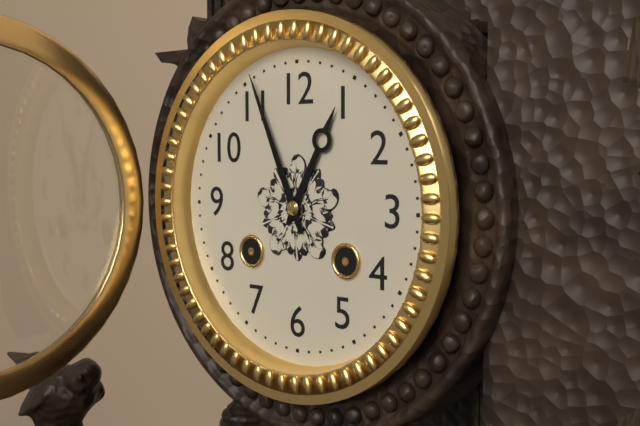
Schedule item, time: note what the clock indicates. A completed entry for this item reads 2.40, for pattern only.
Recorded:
12.56
